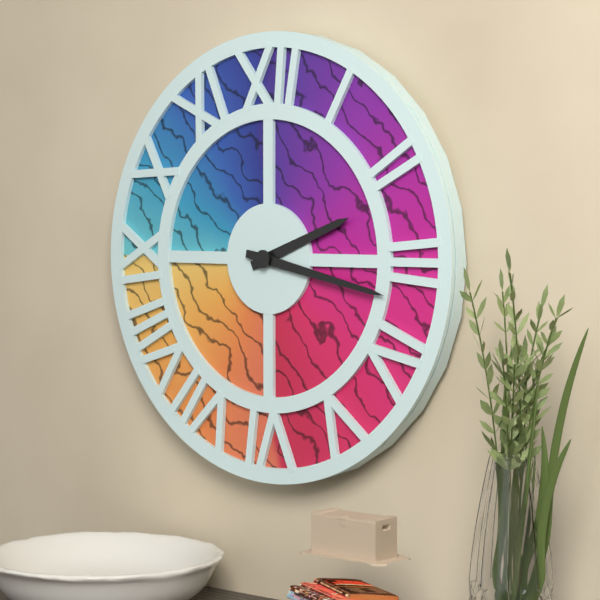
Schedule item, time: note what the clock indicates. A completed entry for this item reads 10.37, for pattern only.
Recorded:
2.17
